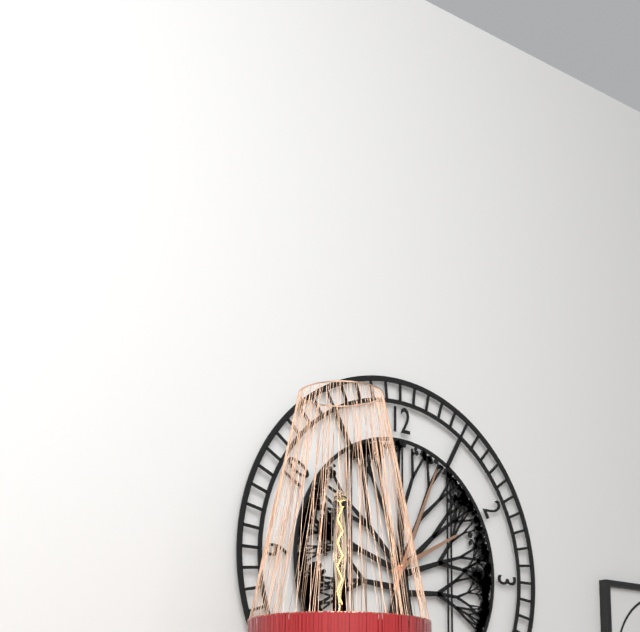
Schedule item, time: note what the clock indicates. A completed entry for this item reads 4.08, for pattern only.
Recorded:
2.04
